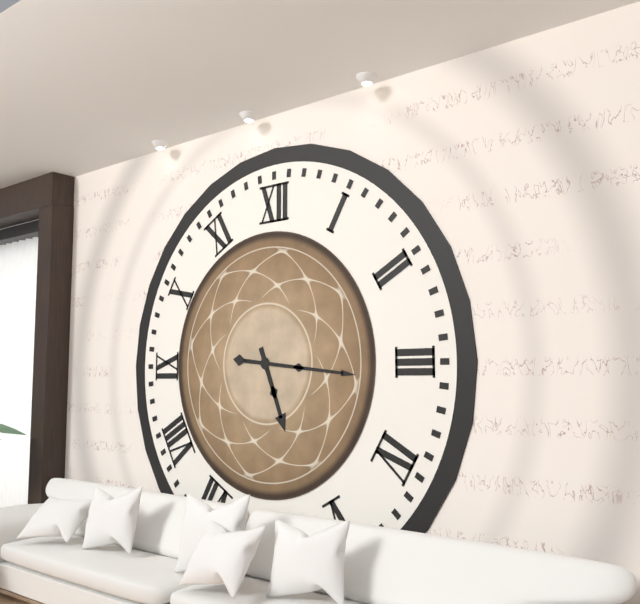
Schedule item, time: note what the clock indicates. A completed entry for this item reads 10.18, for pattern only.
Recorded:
5.16
